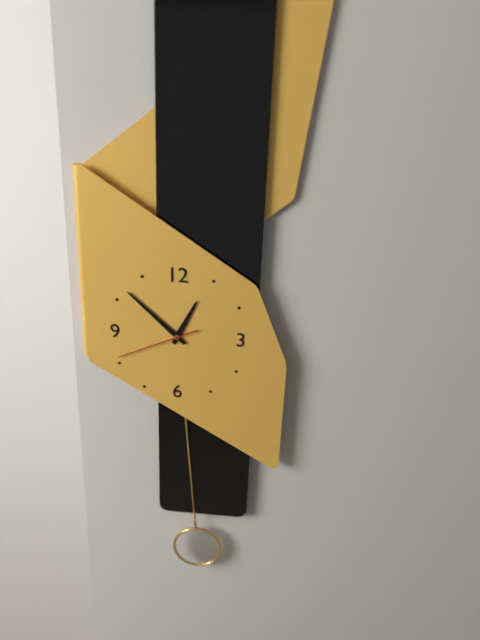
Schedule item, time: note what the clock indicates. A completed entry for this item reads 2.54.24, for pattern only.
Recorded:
12.52.41
